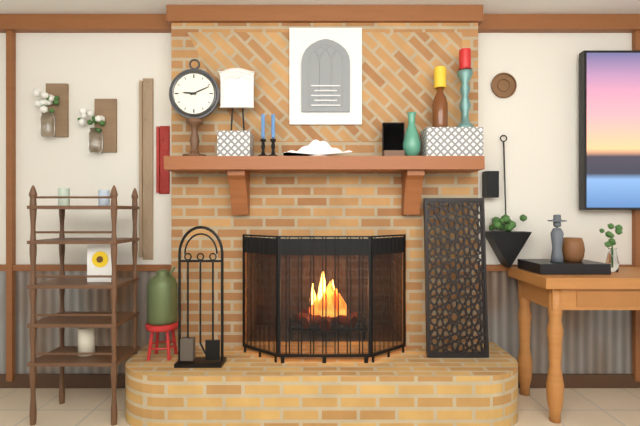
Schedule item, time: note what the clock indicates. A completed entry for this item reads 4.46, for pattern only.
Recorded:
9.11
